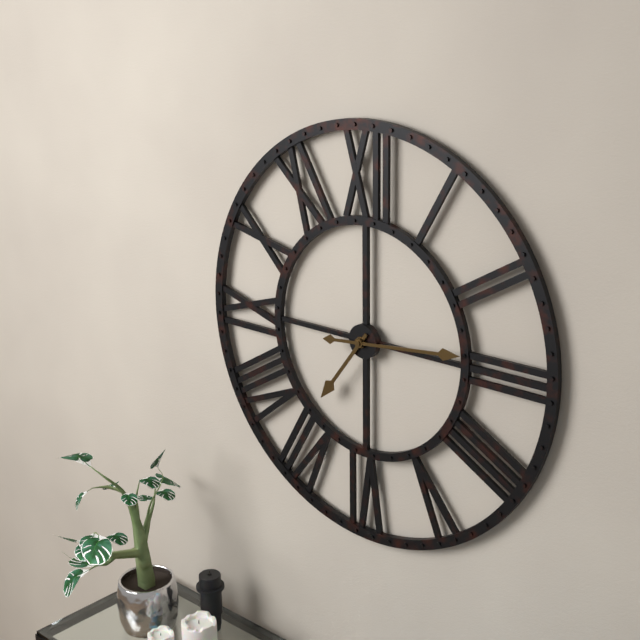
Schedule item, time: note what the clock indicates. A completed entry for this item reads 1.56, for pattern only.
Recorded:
7.14
